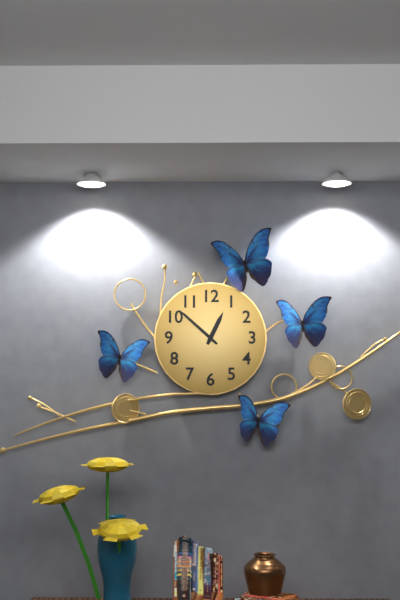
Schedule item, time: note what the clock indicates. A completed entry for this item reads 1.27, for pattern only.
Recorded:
12.52
